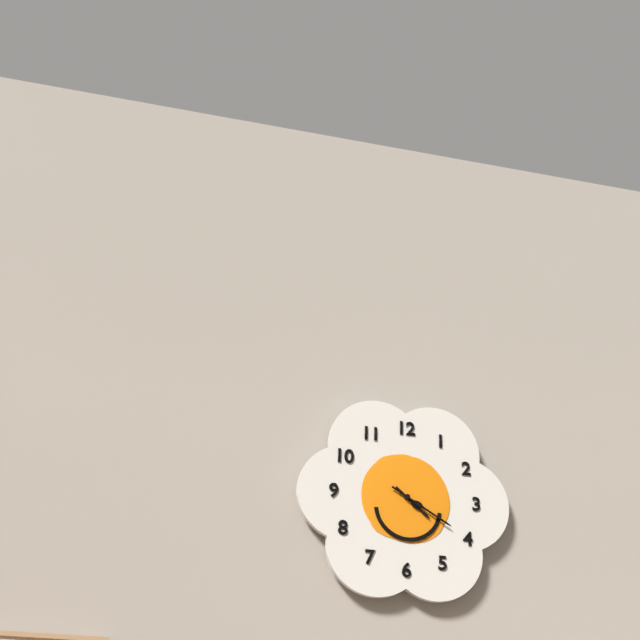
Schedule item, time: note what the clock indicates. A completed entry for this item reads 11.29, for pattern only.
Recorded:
4.20
